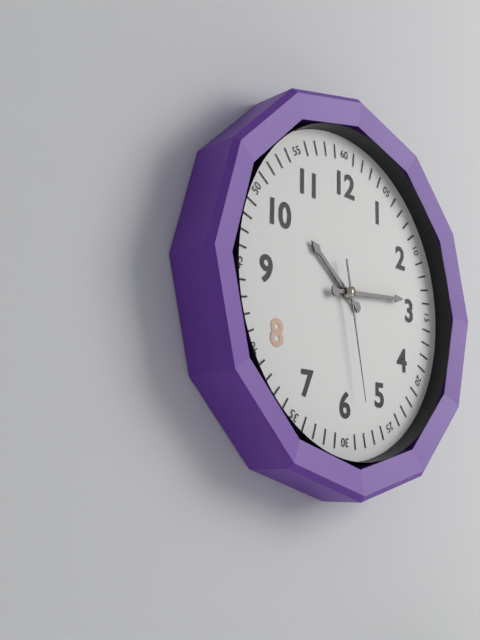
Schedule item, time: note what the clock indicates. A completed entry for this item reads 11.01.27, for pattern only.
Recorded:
10.14.28
